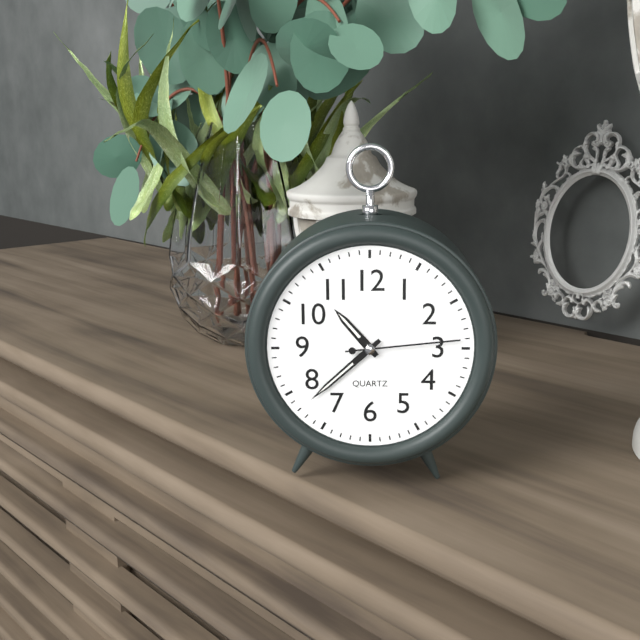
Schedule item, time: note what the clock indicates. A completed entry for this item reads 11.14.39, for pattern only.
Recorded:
10.38.14
